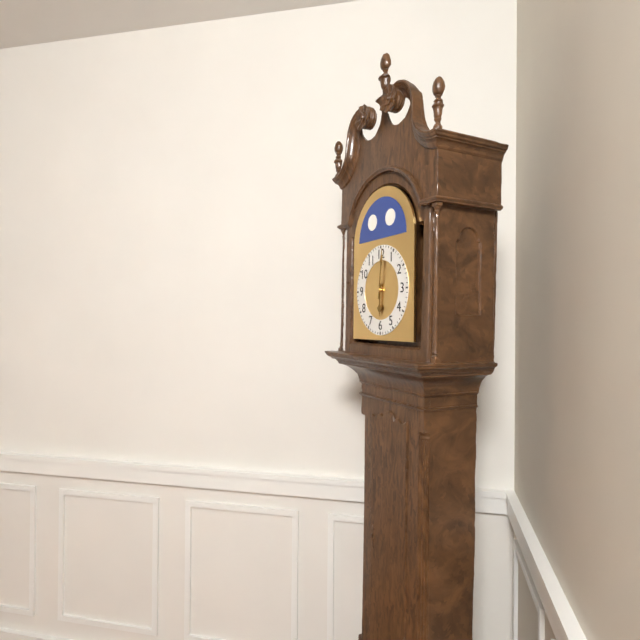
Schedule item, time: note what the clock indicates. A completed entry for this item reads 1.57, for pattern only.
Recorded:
6.01
